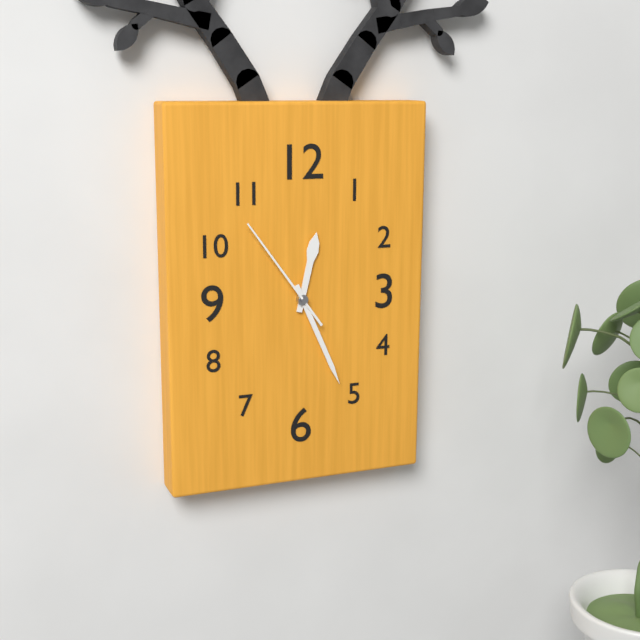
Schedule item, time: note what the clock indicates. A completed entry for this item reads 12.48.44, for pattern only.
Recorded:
12.26.54
